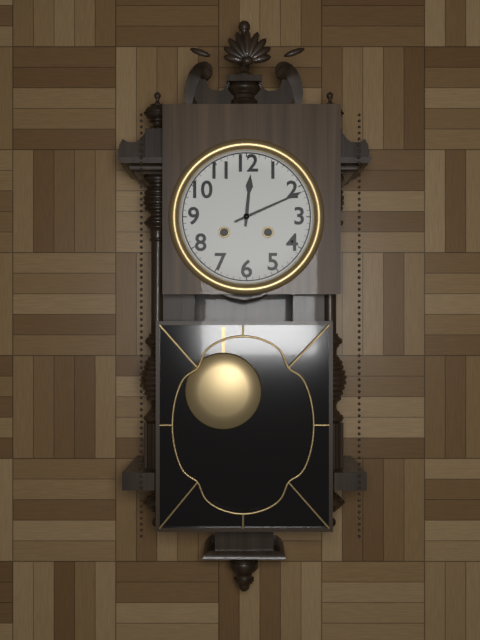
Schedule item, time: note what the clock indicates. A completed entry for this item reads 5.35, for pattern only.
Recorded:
12.11
